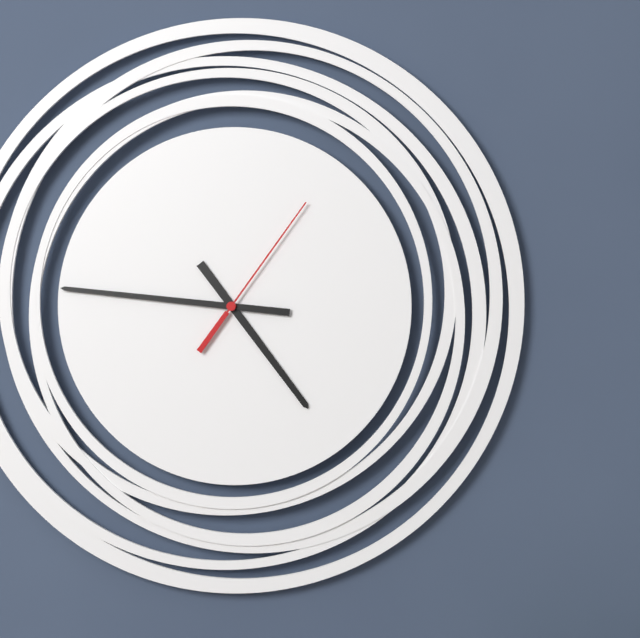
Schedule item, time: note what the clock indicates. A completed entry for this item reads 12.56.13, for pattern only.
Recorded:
4.46.06
